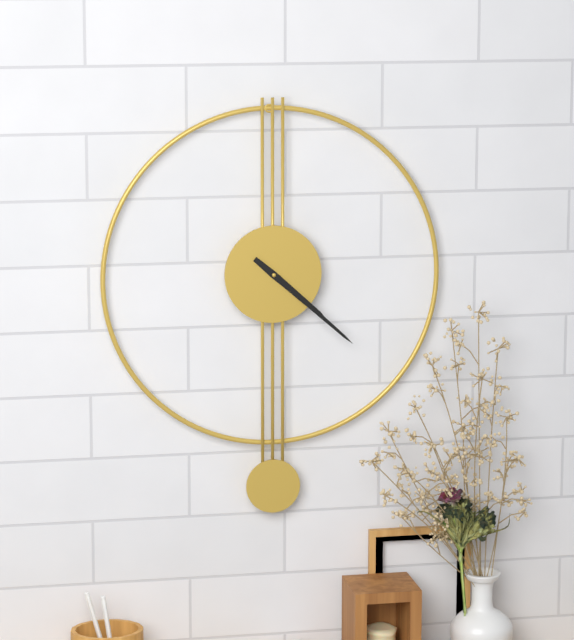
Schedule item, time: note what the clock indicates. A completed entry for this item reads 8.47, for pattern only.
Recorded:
4.22
